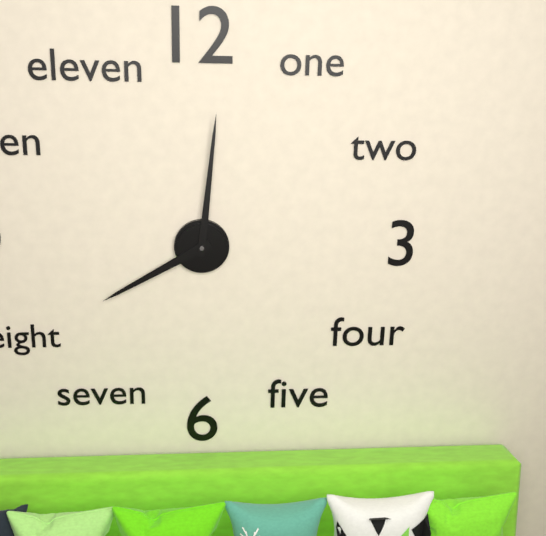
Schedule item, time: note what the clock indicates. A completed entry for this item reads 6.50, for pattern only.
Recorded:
8.01
